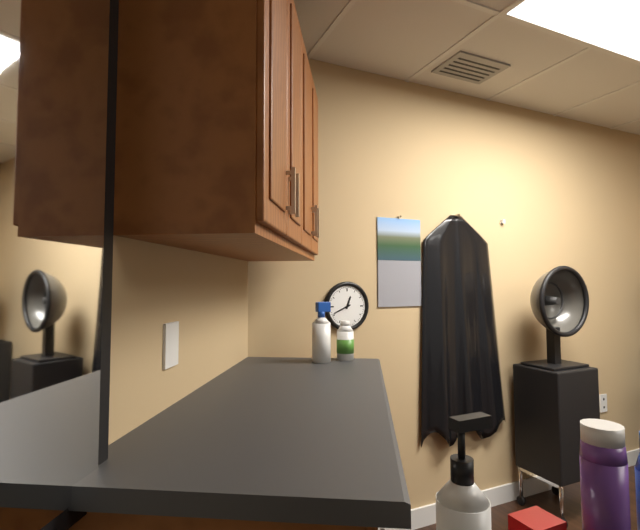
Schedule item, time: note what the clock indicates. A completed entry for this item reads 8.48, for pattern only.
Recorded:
12.41
